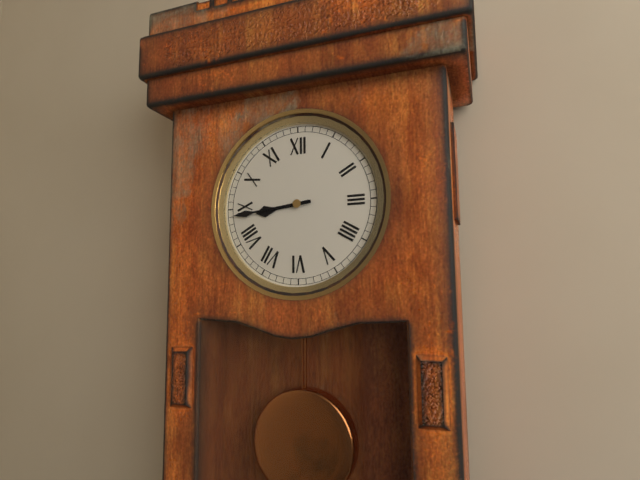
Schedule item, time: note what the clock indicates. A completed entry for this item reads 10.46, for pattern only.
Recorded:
8.44
